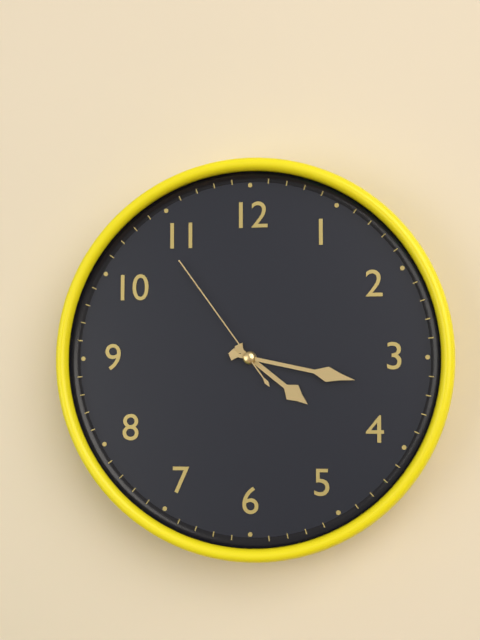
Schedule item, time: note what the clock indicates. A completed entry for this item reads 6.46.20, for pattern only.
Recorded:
4.17.54
